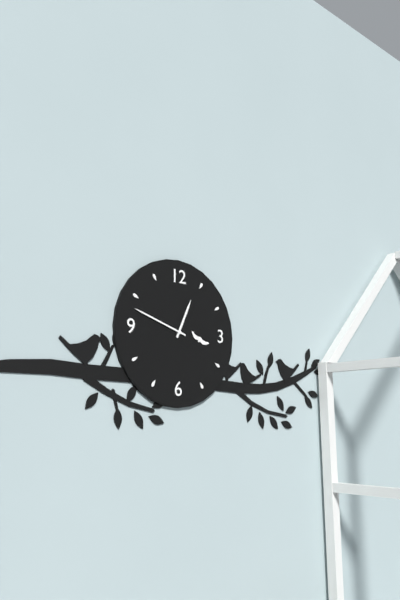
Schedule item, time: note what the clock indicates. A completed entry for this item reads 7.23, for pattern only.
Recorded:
12.48
